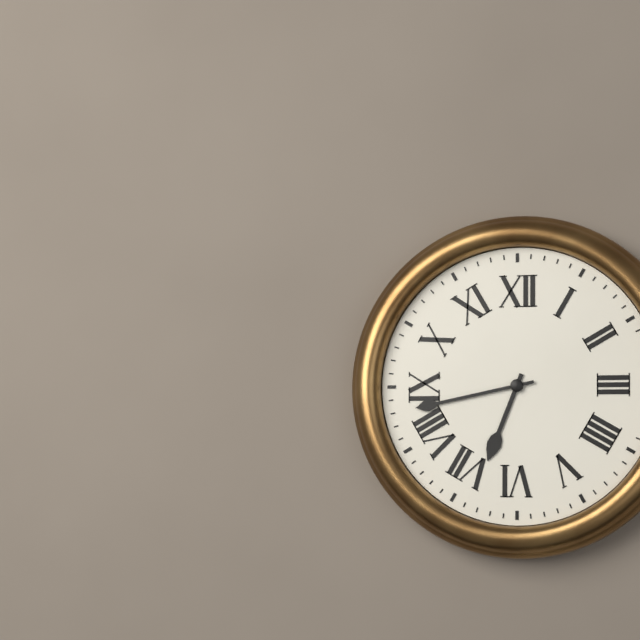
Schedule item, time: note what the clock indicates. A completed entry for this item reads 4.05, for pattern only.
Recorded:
6.43
